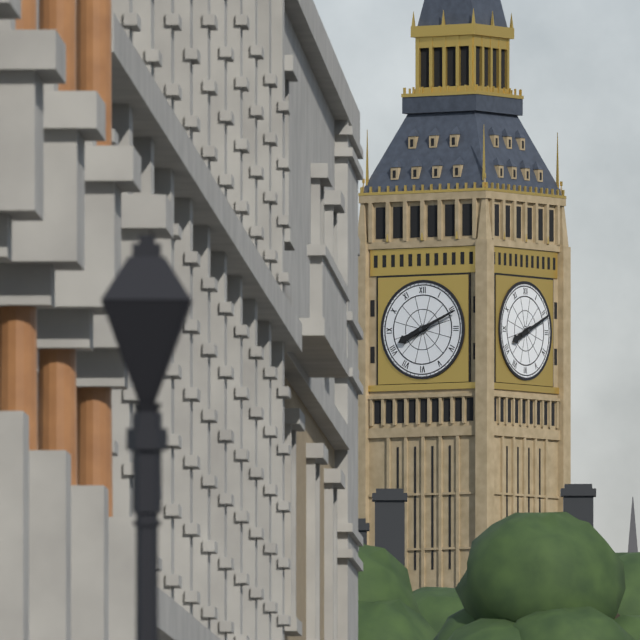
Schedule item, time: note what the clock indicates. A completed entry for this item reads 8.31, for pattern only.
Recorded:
8.11
